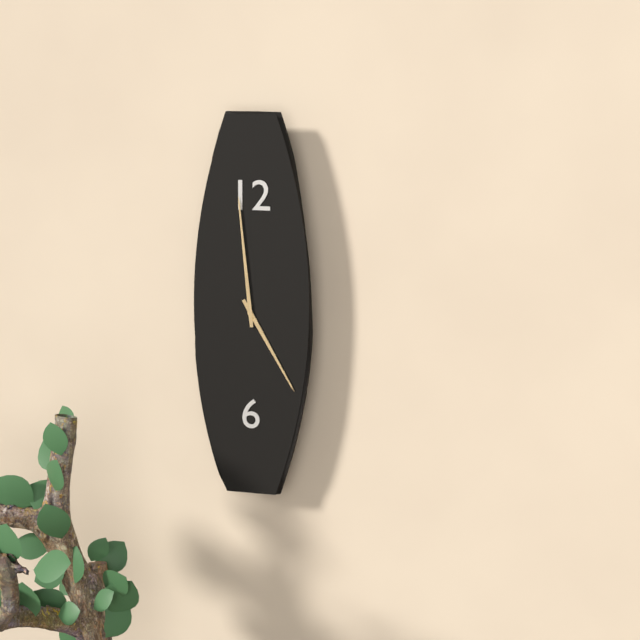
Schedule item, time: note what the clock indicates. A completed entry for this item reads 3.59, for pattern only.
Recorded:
4.59
